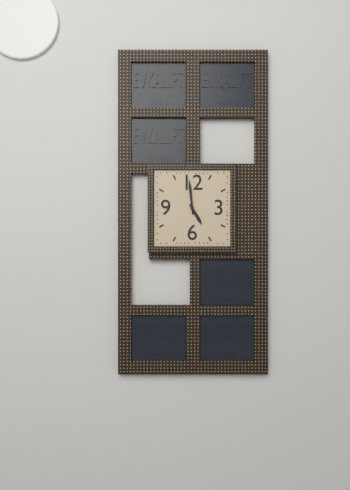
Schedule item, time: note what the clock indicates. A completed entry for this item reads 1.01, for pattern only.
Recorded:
4.59
